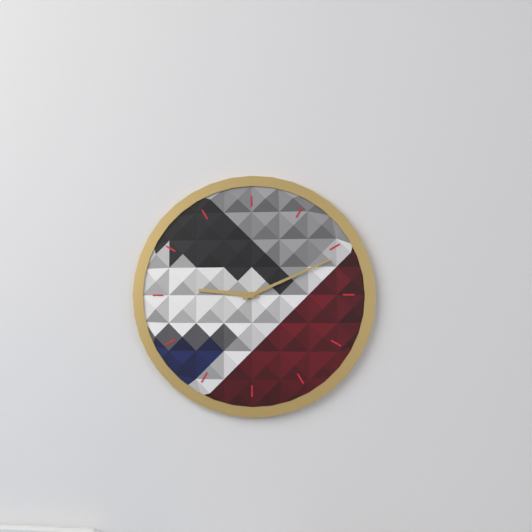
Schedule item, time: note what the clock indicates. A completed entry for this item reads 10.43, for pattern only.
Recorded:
9.11
